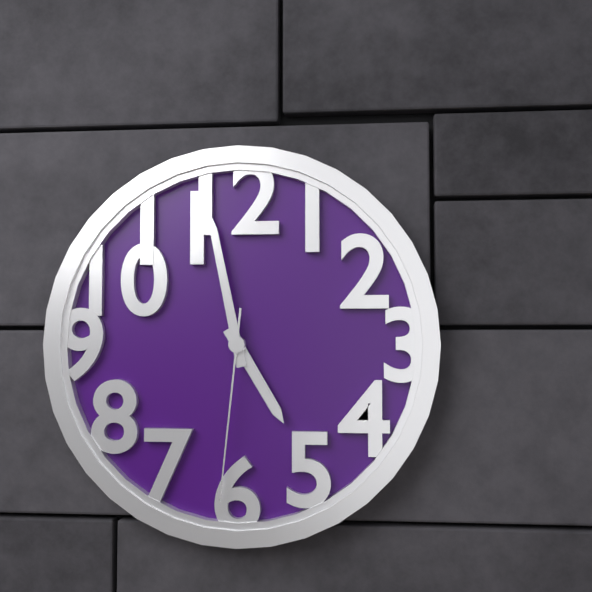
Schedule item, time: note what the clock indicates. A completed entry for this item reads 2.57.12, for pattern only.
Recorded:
4.58.31
